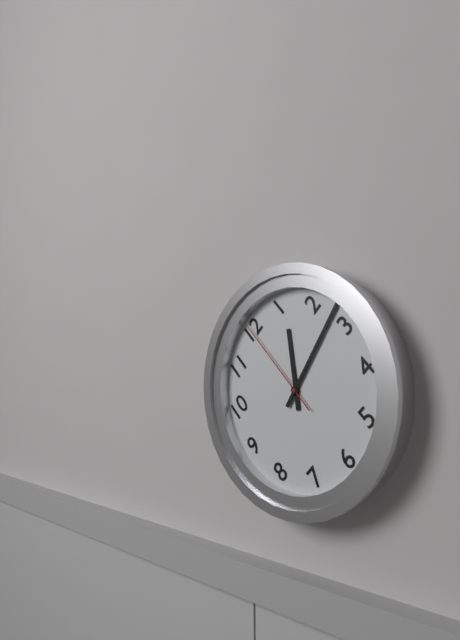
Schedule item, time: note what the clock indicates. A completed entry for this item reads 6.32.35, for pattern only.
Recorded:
1.13.00
